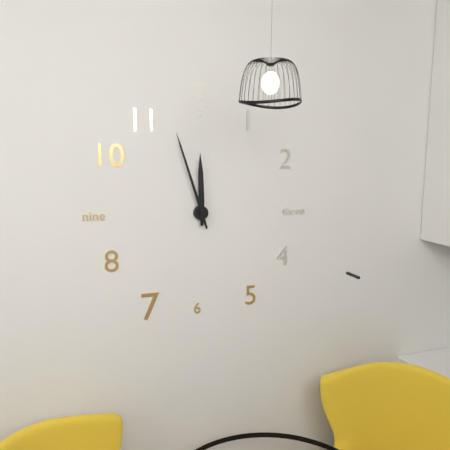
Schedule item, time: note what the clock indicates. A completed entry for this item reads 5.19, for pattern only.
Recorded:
11.57
